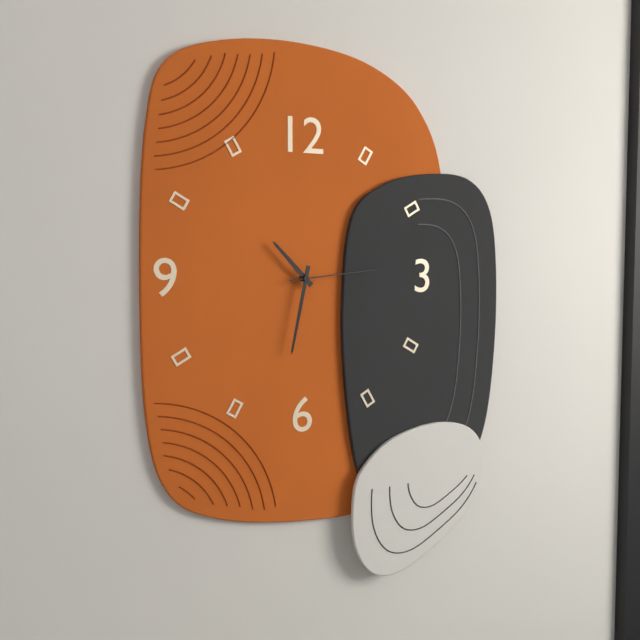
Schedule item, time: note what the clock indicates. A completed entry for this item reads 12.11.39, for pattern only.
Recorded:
10.32.14
